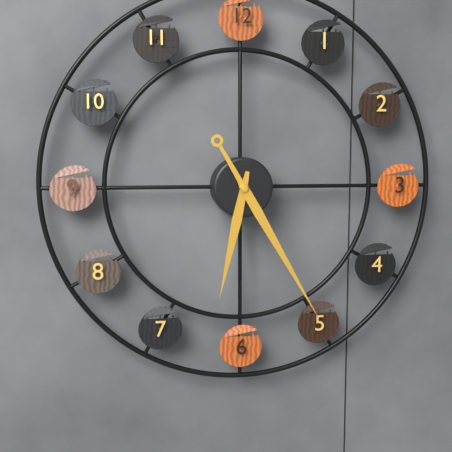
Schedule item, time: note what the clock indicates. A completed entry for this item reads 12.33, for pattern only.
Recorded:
6.25
